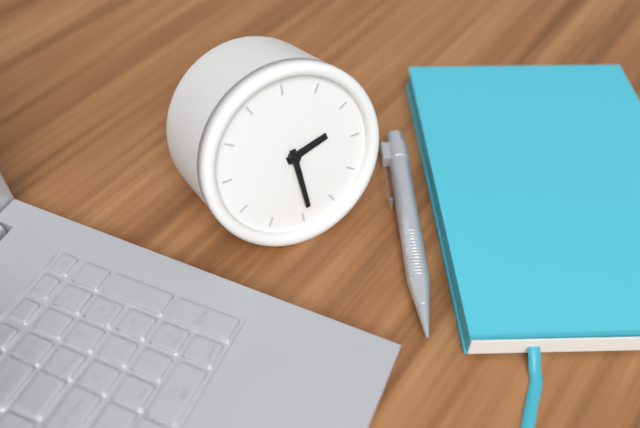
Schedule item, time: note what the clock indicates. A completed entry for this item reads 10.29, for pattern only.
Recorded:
2.29
